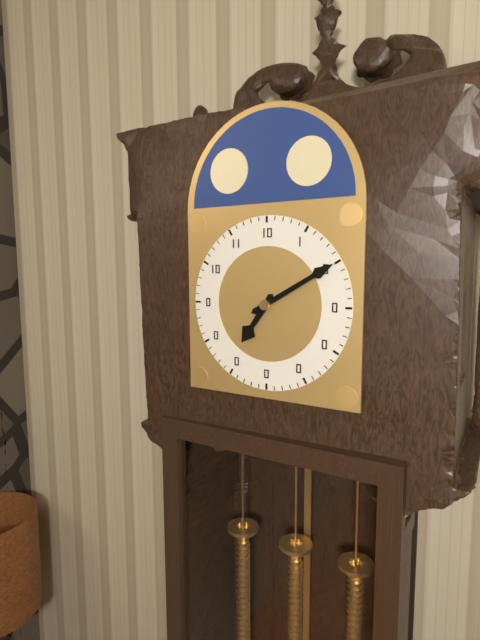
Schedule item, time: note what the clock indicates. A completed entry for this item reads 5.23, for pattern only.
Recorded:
7.10
